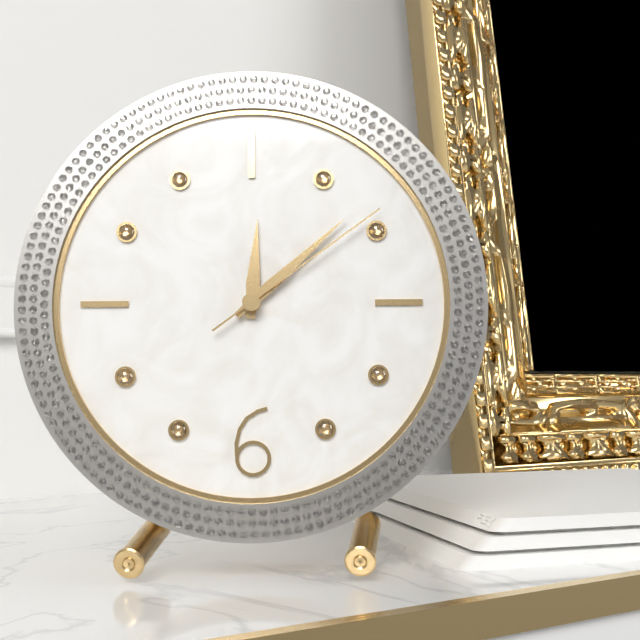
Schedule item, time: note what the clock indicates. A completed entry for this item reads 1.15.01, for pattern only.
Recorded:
12.08.09
